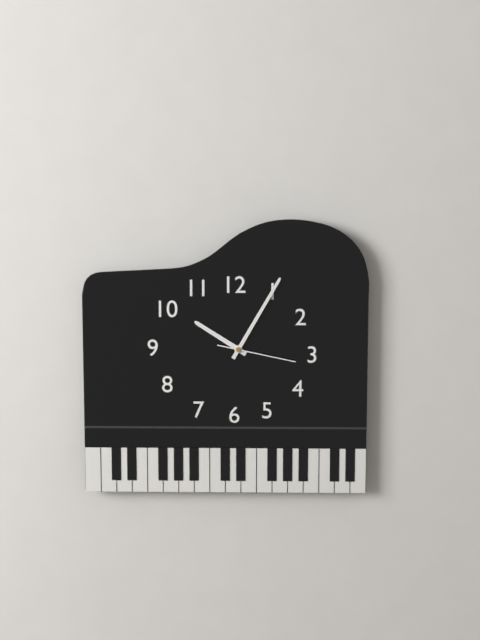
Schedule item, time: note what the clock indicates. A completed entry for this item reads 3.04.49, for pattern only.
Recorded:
10.05.17
